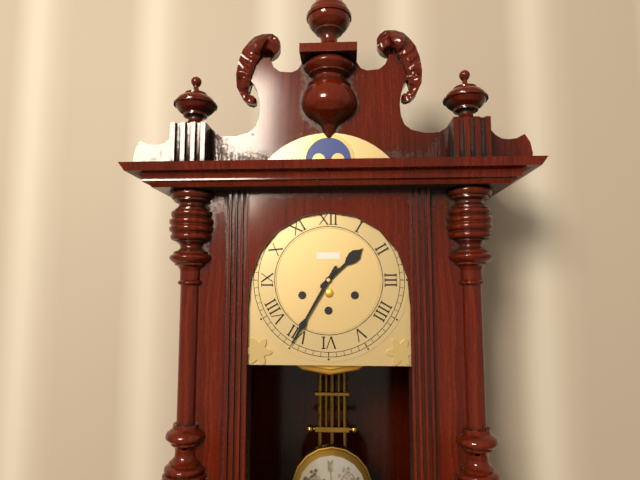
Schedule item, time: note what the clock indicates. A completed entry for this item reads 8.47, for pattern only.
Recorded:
1.35
